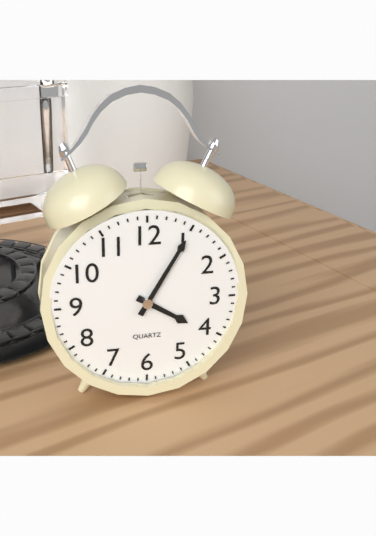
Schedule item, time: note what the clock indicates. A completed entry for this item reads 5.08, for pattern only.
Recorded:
4.05
